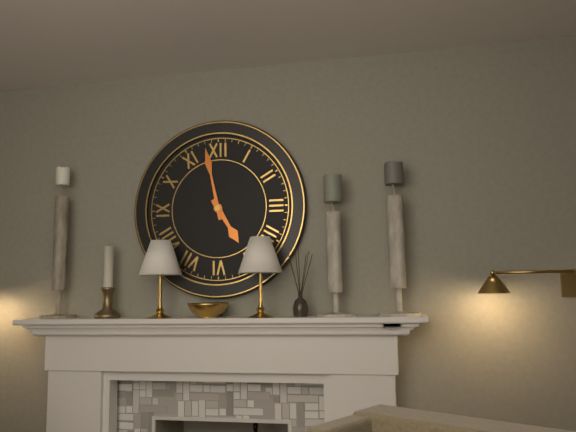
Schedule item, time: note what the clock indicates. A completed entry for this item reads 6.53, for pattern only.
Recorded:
4.58
